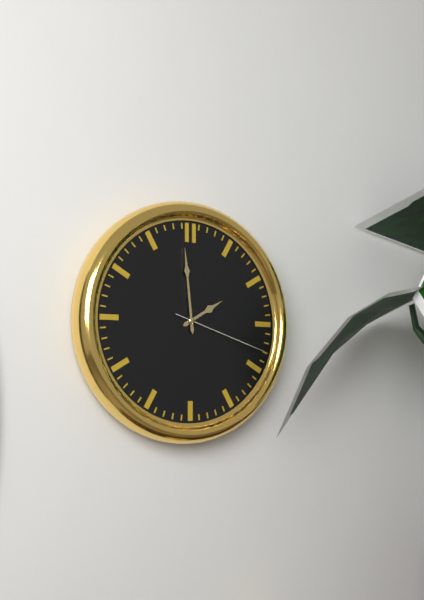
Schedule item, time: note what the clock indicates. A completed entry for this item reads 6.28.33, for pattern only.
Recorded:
1.59.18
